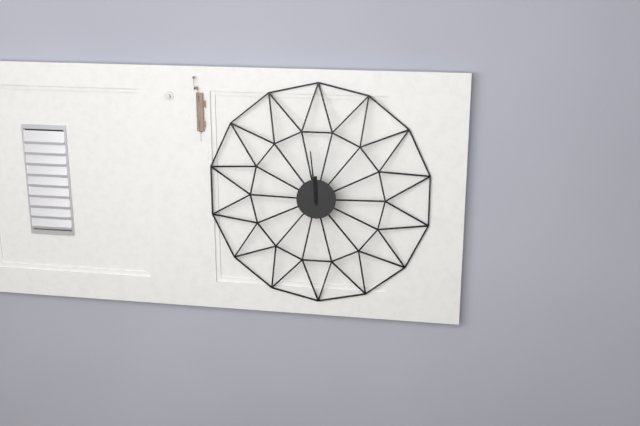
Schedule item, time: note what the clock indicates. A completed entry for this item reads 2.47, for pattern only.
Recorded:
11.59
